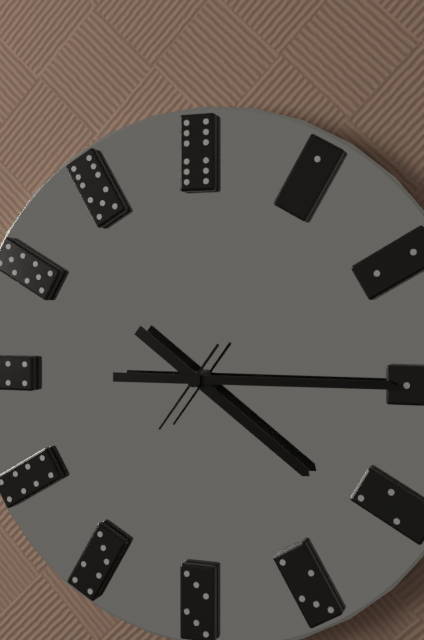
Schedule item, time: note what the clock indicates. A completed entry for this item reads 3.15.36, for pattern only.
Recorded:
4.15.36
